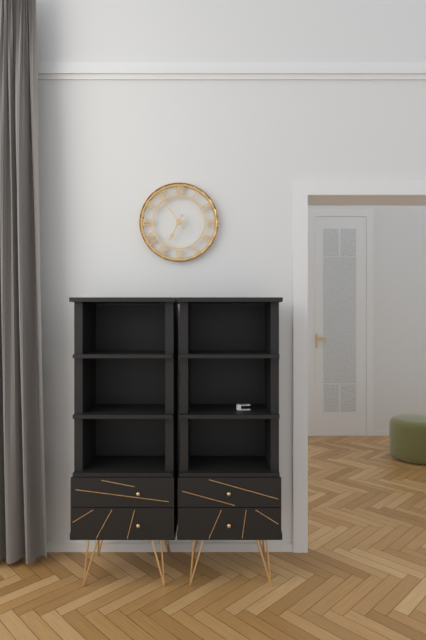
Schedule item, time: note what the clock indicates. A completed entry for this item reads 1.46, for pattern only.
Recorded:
6.54
